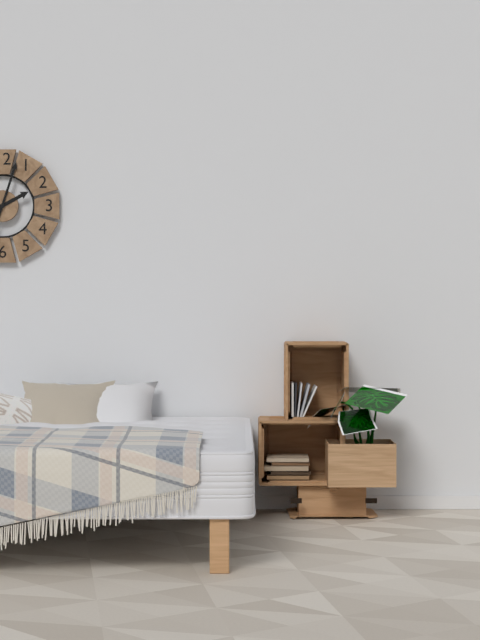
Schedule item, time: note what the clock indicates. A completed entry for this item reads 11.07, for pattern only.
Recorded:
2.03
